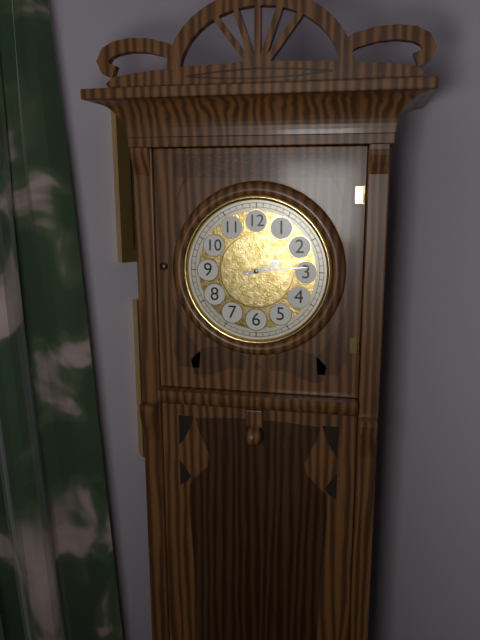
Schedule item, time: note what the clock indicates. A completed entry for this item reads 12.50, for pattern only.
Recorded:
2.14
